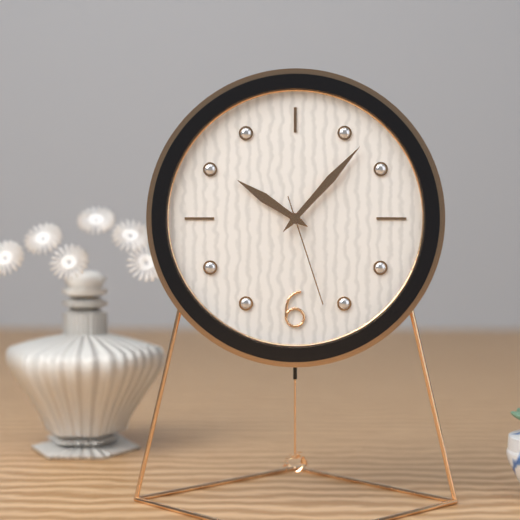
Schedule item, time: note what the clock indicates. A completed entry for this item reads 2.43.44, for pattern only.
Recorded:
10.07.27
